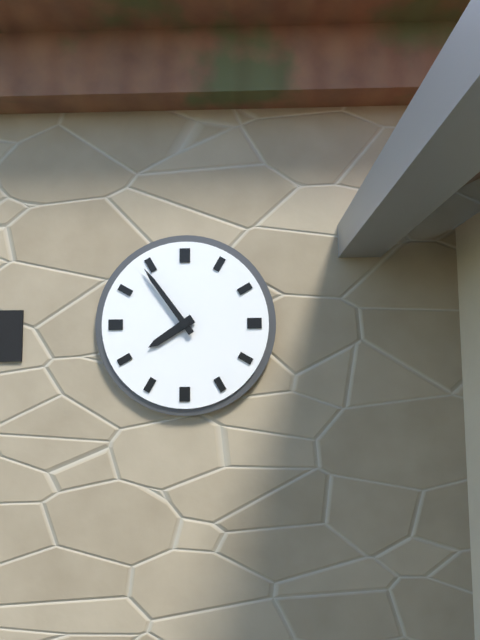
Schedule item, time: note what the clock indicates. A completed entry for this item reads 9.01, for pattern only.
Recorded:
7.54
